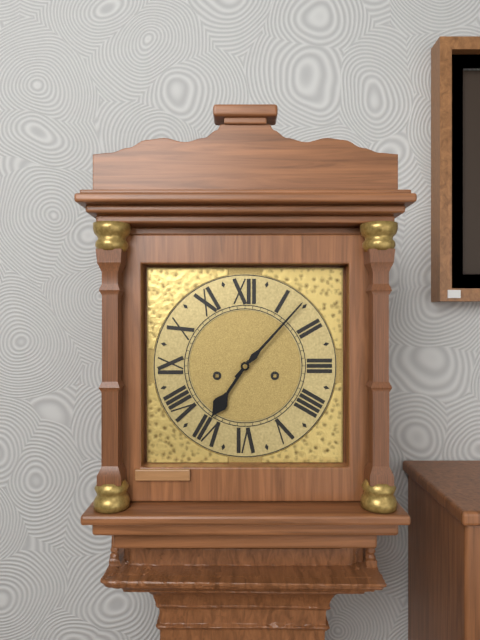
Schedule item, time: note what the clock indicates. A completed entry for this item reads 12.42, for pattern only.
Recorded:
7.07
